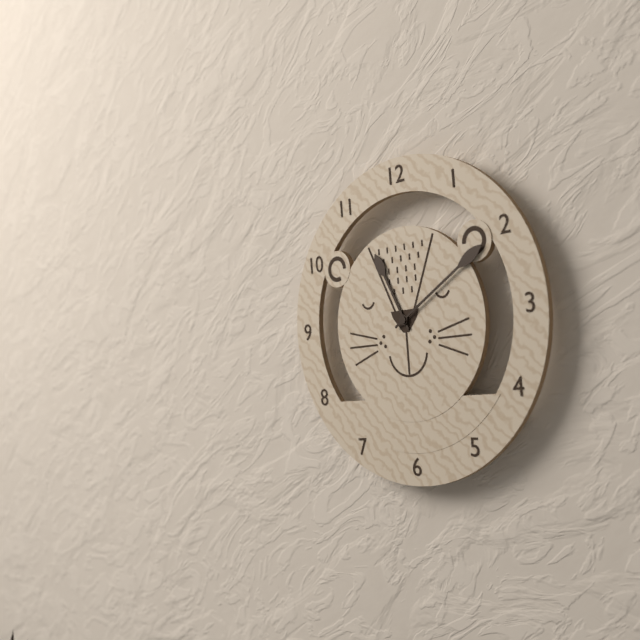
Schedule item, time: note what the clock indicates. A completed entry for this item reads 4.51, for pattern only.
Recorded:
11.10
